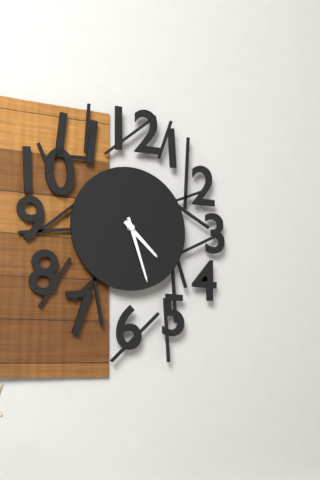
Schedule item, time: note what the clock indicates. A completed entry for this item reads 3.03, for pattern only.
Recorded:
4.27
